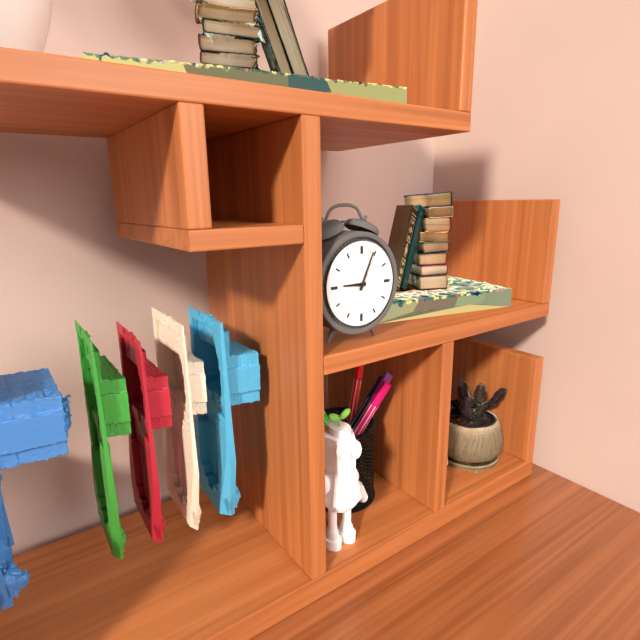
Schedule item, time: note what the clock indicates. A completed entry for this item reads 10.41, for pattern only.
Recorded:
9.04
